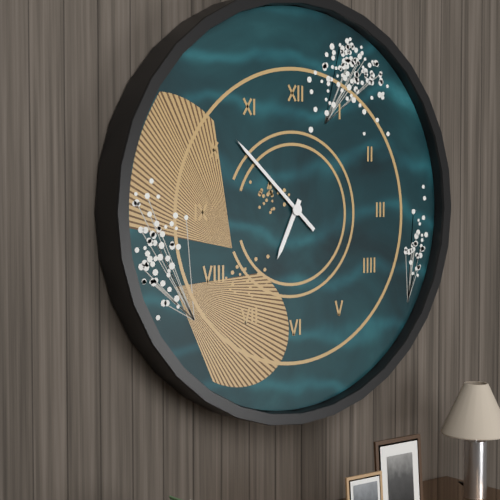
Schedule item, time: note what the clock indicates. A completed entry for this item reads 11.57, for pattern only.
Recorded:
6.52
